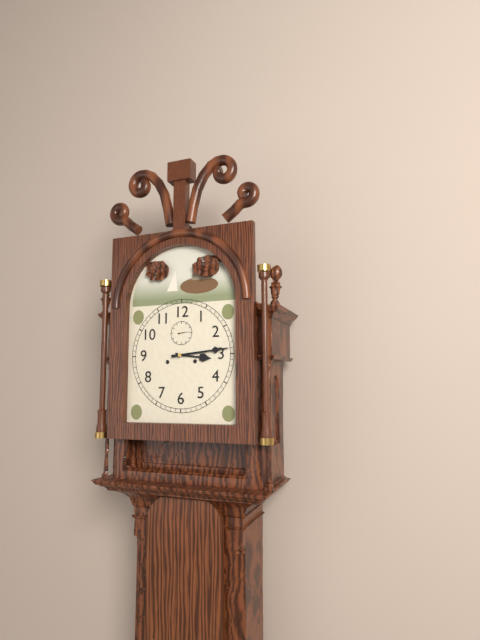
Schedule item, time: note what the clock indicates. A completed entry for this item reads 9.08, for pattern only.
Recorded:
3.14
